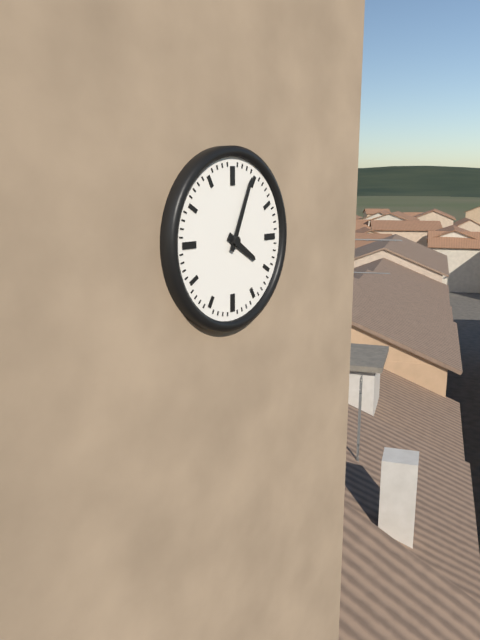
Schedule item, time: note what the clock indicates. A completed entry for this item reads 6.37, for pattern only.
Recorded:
4.04
